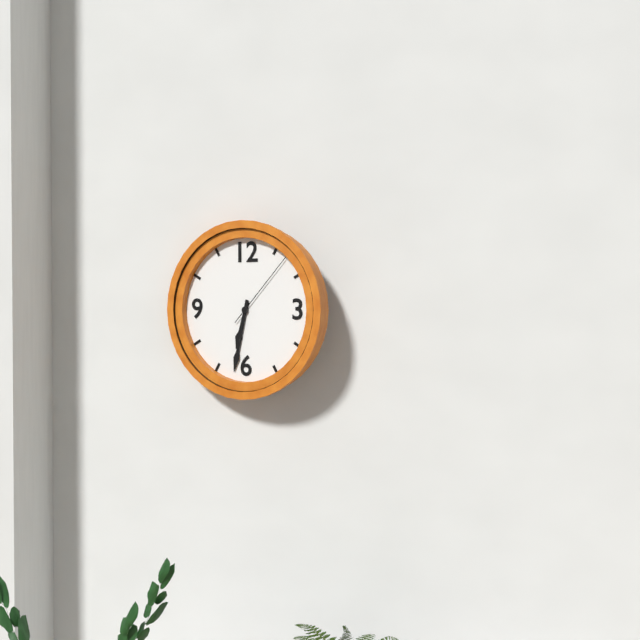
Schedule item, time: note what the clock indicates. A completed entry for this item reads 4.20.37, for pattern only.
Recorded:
6.32.07
